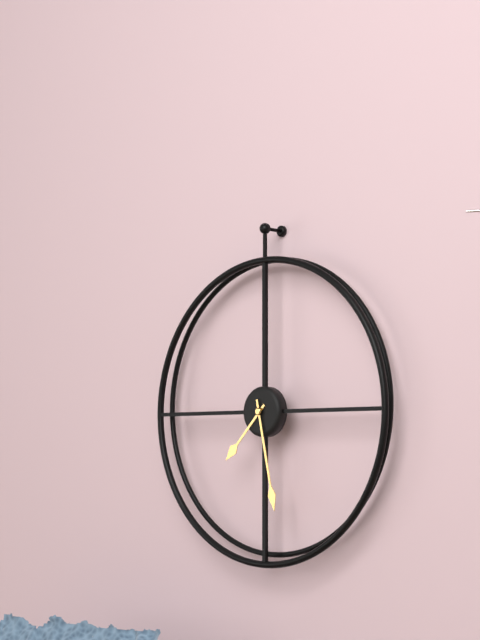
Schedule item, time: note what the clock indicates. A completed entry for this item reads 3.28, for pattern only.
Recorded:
7.28
